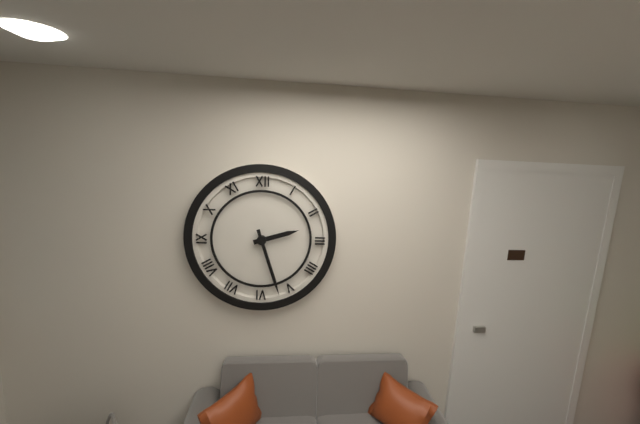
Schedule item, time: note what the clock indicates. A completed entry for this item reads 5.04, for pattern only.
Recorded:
2.27
